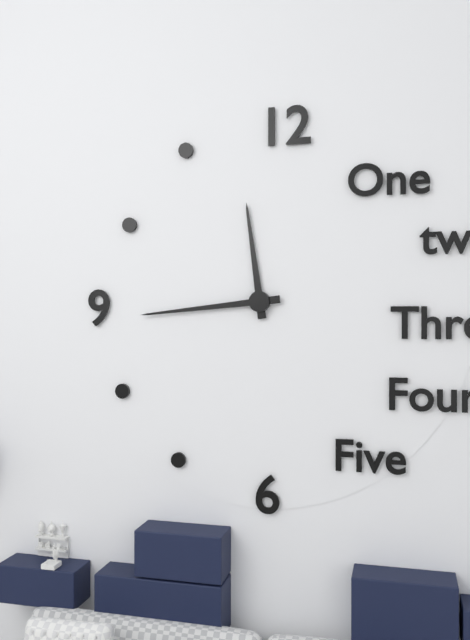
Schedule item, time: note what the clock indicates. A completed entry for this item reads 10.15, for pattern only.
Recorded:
11.44
